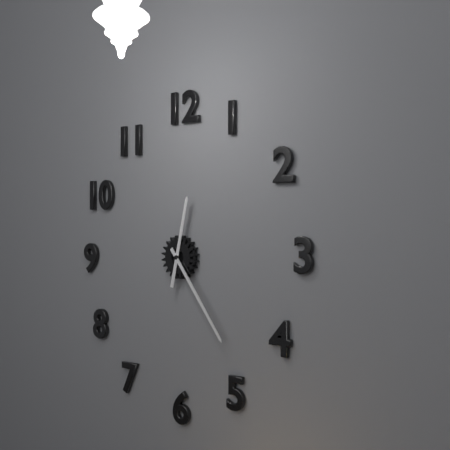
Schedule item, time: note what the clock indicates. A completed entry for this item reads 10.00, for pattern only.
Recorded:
12.24
